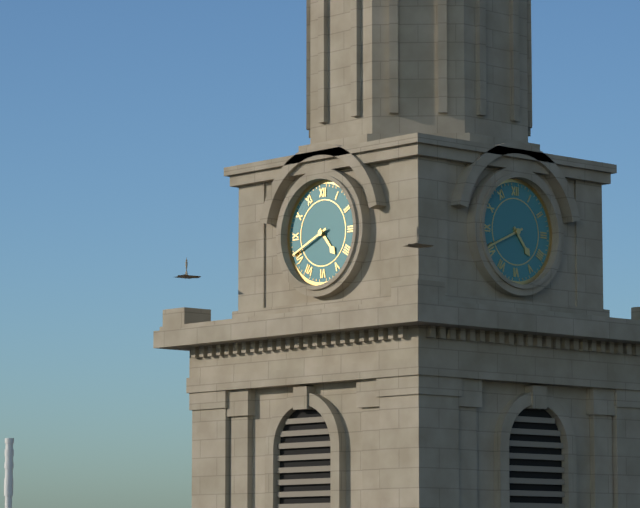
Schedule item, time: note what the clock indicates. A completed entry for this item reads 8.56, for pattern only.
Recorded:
4.41
